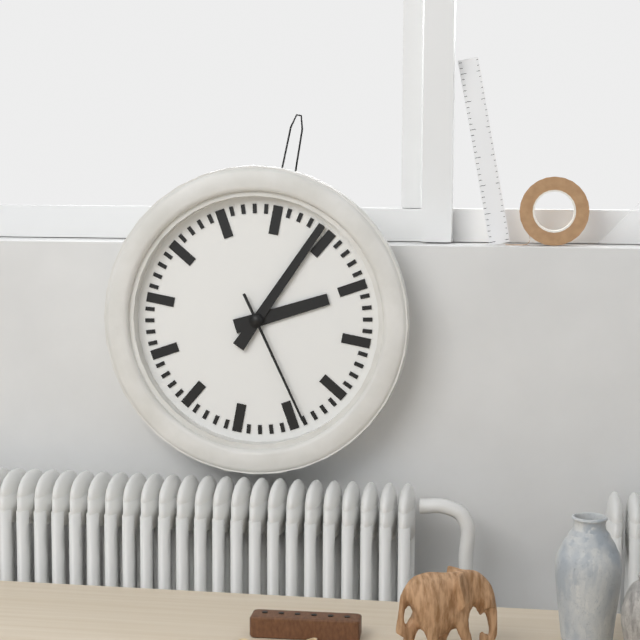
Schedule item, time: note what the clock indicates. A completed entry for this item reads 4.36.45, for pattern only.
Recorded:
2.04.24
